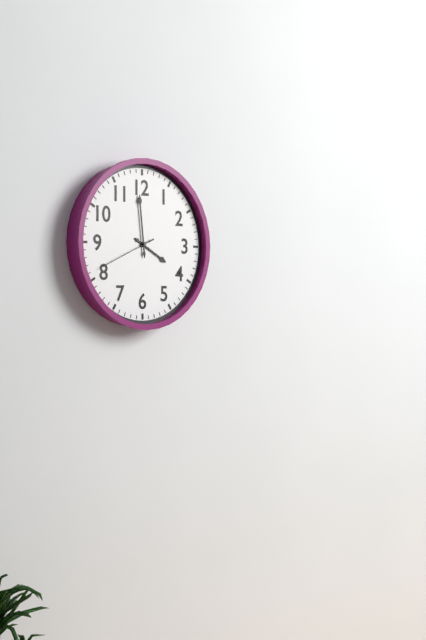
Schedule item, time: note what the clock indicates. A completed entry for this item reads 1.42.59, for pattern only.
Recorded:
3.59.41
